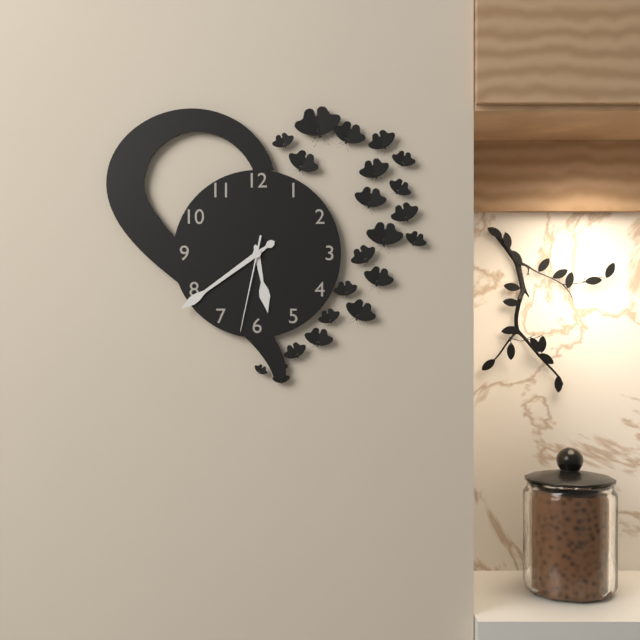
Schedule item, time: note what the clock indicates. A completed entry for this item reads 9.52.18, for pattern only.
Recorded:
5.39.32
